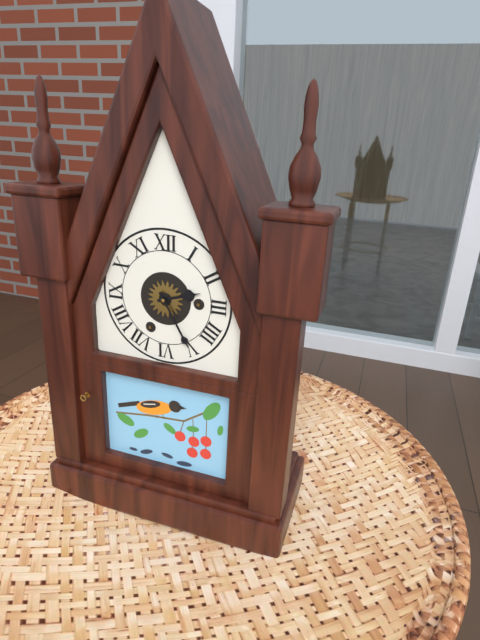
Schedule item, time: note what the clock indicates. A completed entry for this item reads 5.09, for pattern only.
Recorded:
2.25
